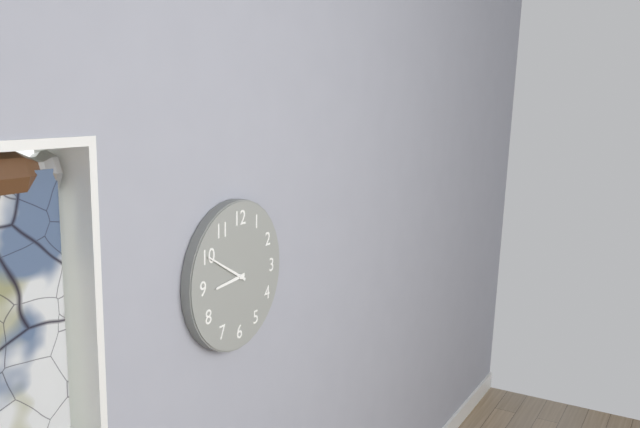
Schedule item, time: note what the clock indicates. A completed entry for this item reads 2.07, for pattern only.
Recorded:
8.50
